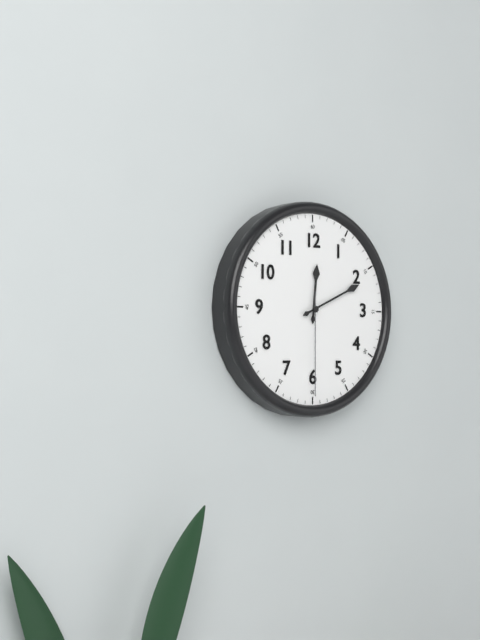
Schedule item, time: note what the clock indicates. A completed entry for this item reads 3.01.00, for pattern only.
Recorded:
12.11.30
